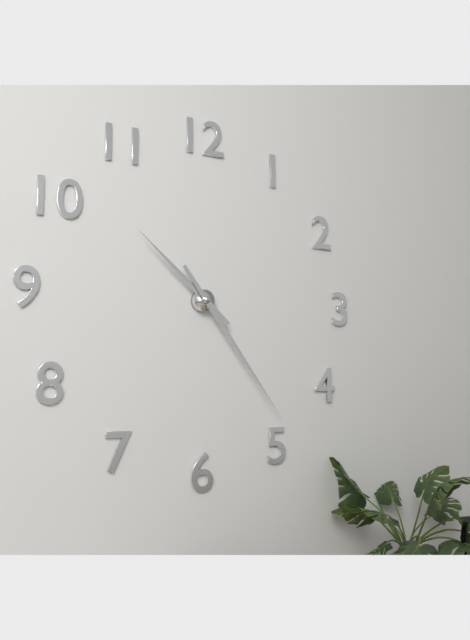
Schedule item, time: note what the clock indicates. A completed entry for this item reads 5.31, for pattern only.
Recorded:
10.24
